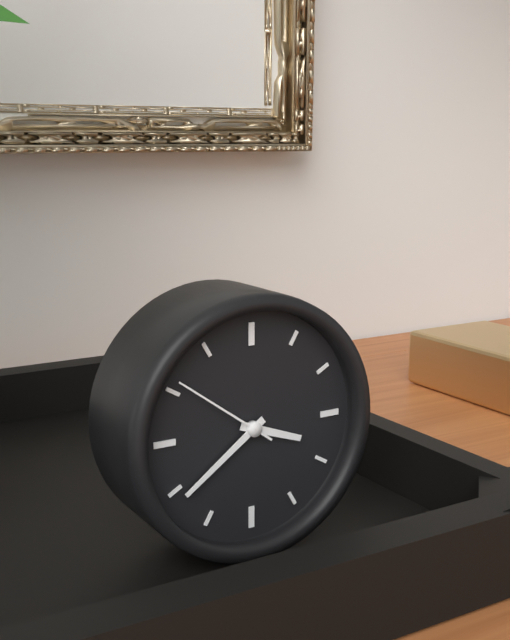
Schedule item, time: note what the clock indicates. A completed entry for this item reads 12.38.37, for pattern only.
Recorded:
3.39.51
